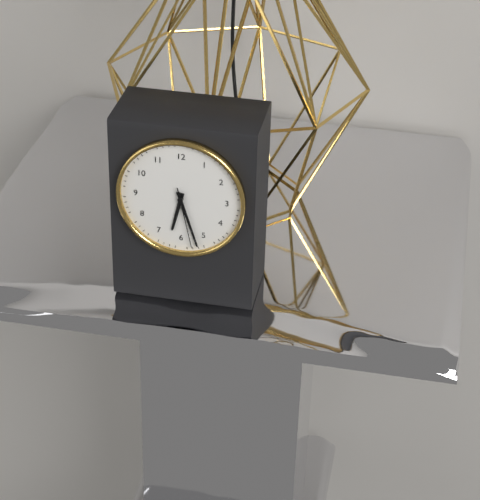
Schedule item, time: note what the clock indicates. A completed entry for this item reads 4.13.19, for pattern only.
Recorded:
6.27.28
